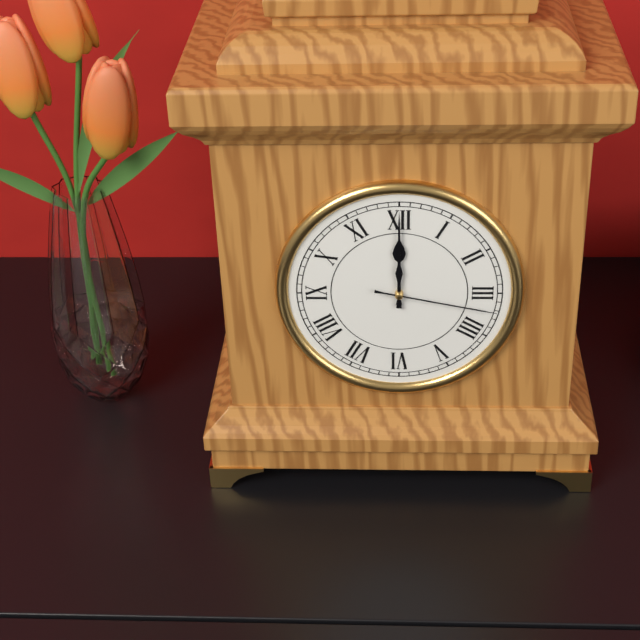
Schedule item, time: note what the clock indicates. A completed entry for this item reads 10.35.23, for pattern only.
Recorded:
12.00.17
